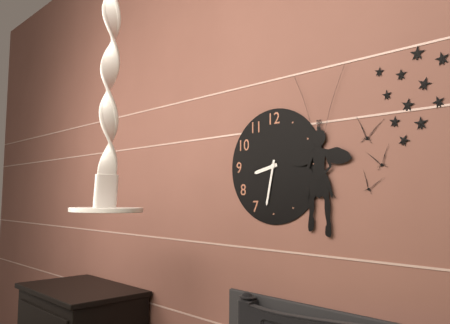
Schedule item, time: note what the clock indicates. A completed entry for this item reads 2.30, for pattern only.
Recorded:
8.32
